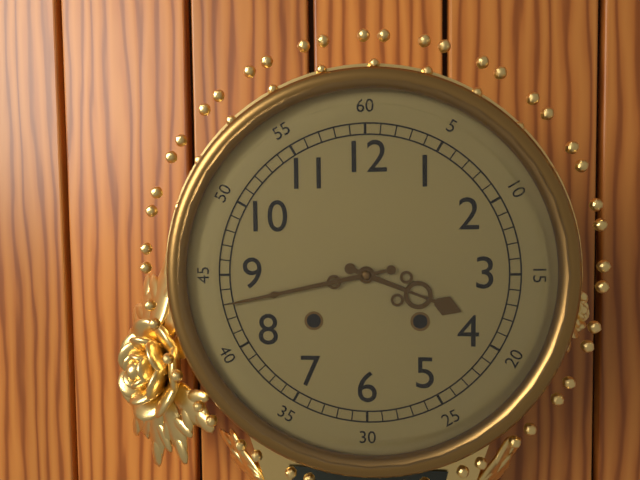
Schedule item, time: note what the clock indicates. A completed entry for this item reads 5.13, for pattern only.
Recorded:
3.43
